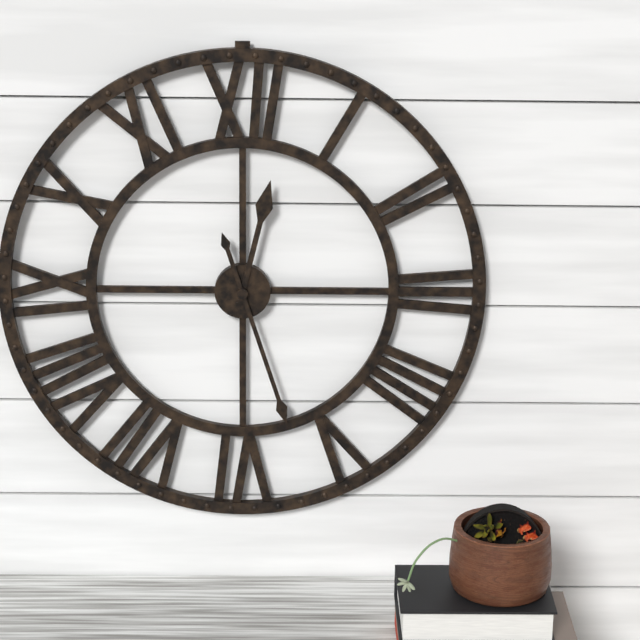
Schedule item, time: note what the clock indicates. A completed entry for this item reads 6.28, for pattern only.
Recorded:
12.27
